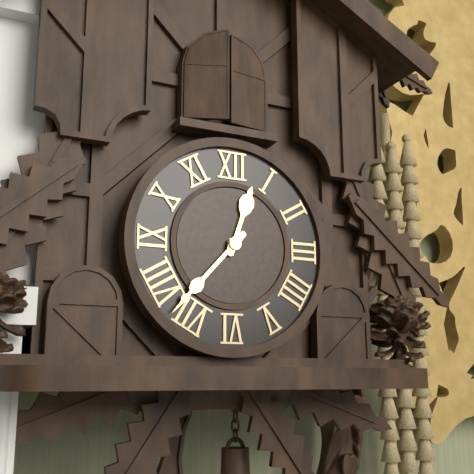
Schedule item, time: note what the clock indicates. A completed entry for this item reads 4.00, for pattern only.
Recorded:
12.37
